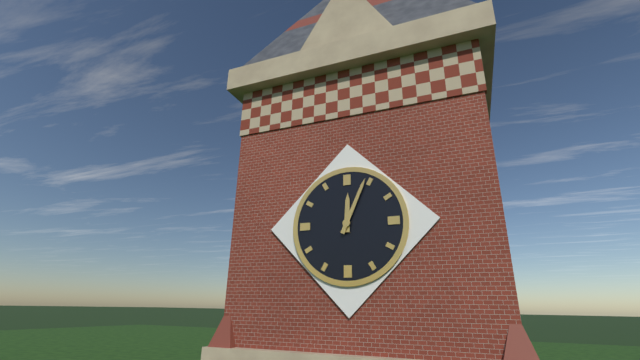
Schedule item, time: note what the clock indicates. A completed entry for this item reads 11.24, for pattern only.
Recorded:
12.04
